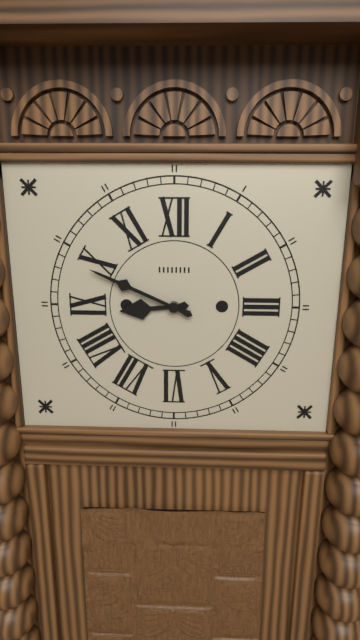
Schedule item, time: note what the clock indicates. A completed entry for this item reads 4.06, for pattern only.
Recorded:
8.49
